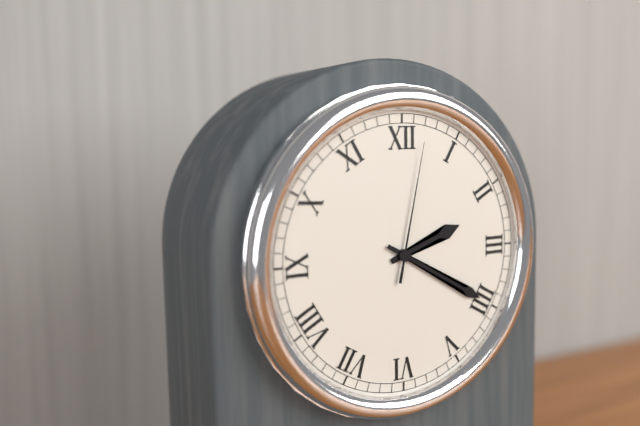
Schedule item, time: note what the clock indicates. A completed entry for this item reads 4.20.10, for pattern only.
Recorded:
2.20.02
